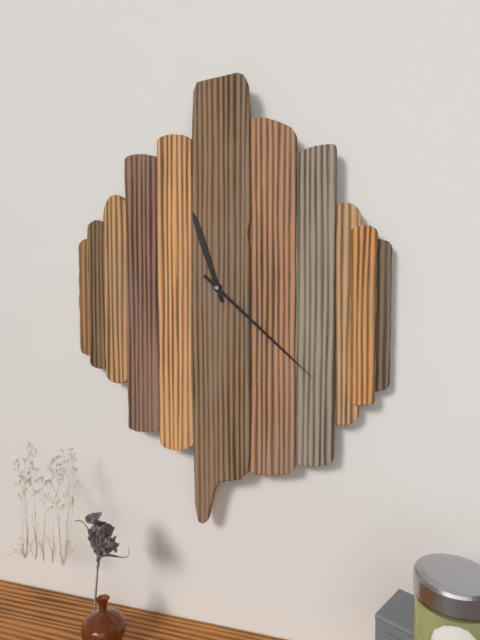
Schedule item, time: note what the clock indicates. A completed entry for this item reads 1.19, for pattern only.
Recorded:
11.22
